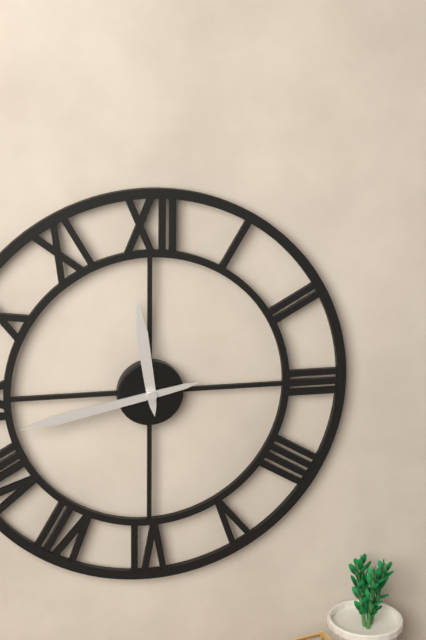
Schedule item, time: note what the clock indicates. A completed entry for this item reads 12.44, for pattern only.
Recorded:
11.43
